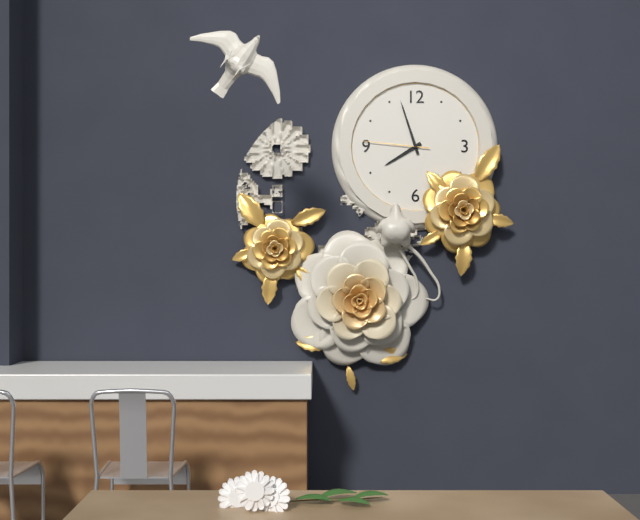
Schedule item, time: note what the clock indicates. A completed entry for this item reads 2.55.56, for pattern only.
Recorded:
7.57.46
